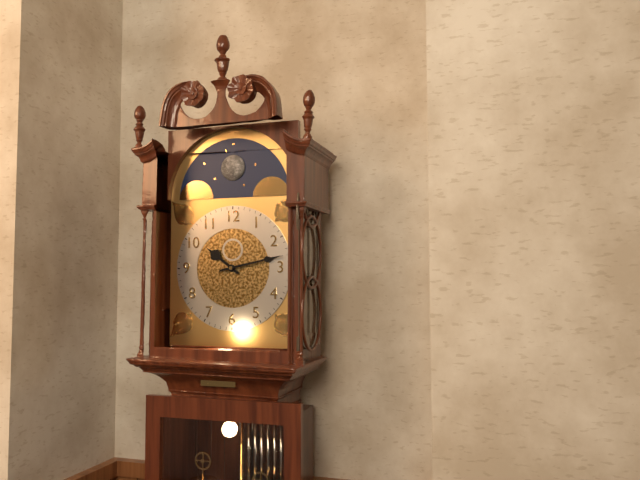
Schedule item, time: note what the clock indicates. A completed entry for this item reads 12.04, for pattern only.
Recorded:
10.13
